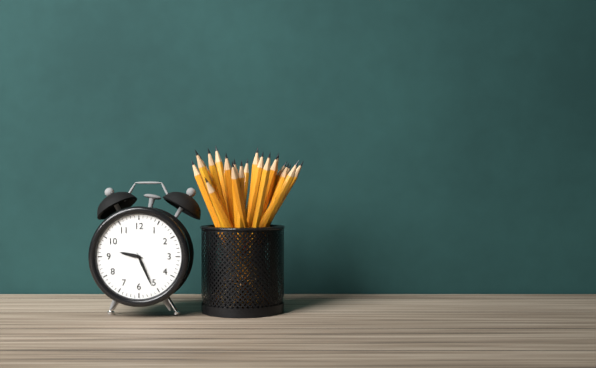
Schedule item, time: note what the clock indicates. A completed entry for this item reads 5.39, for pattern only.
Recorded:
9.26
